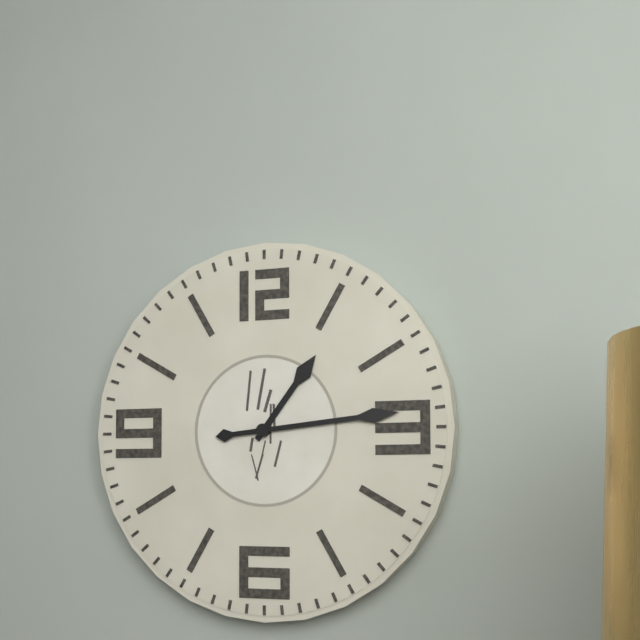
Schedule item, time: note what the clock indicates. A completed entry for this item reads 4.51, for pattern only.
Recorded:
1.14
